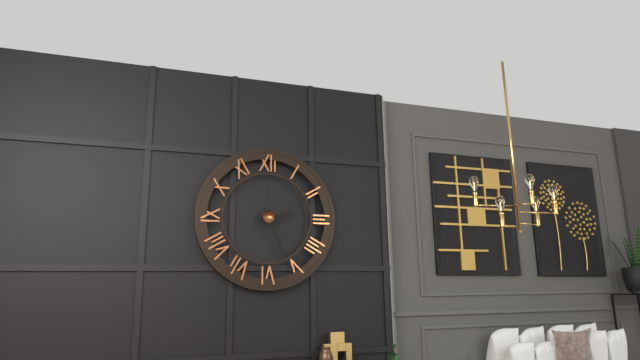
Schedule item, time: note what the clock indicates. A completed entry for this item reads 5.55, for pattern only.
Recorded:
2.26
